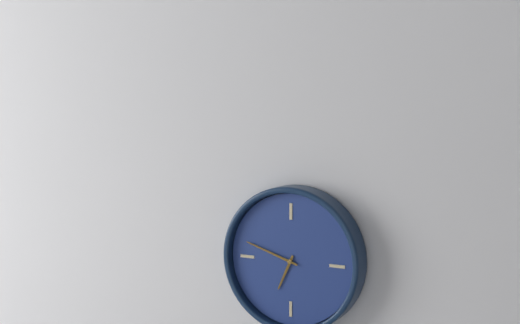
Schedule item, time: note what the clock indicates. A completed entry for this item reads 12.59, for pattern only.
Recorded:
6.48
